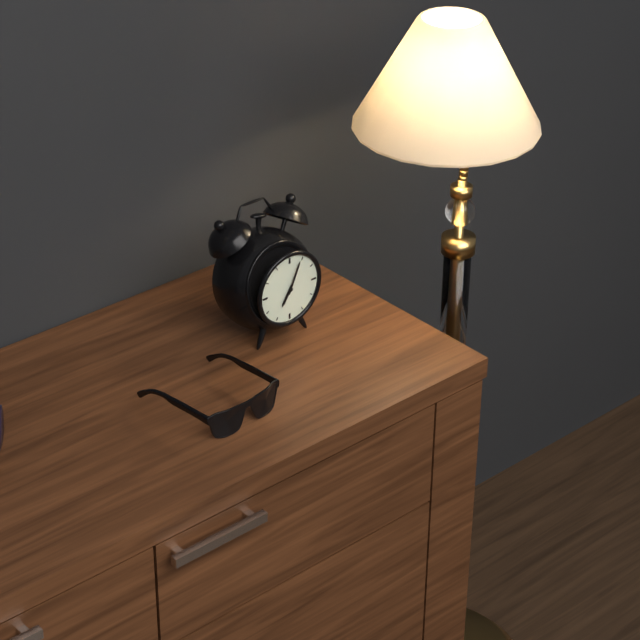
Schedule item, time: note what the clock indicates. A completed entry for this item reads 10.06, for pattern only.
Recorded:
7.04
